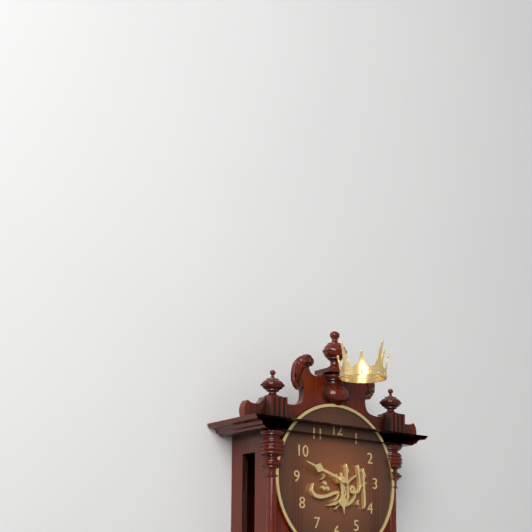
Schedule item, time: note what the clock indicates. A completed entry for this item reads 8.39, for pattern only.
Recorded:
5.48
